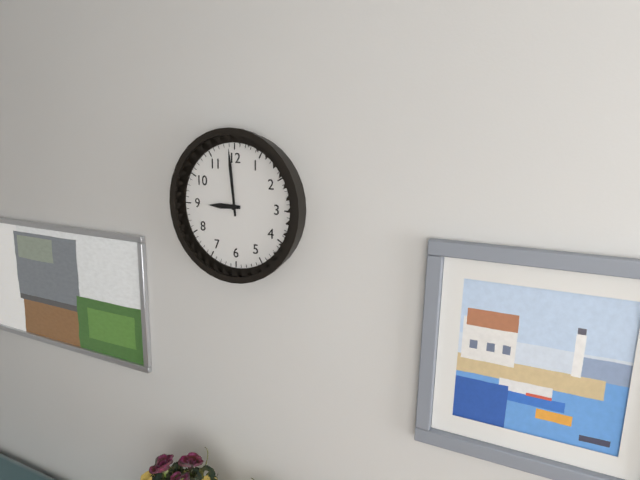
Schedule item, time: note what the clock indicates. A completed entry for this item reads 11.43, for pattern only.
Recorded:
8.59
